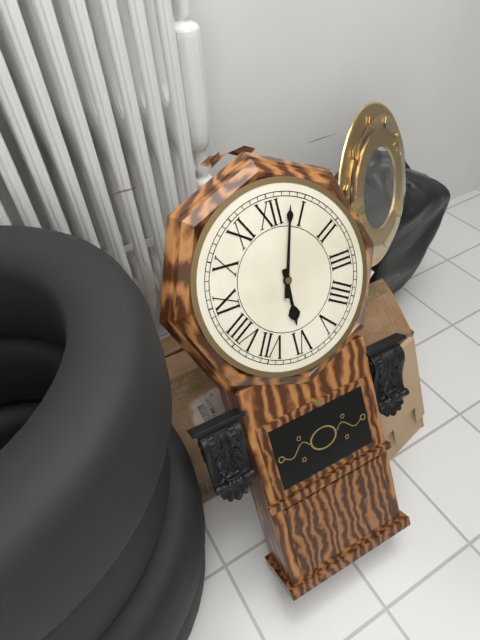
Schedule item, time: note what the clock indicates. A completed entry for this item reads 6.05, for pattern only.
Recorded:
6.03
